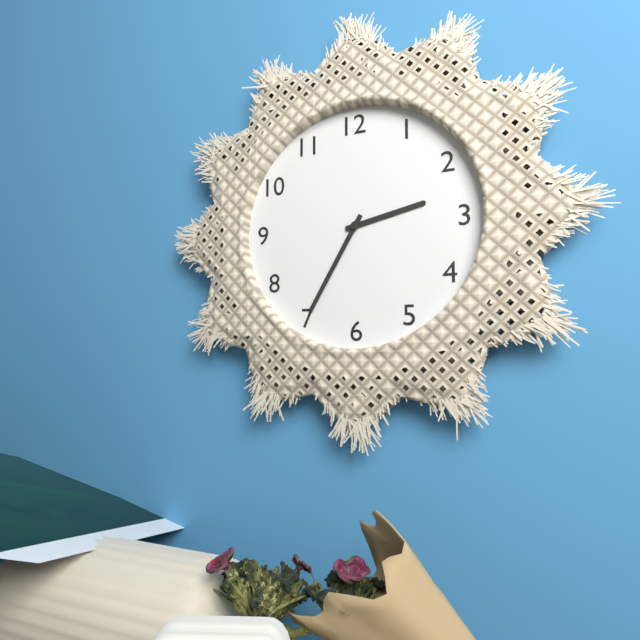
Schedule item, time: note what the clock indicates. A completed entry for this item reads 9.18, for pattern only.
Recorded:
2.35
